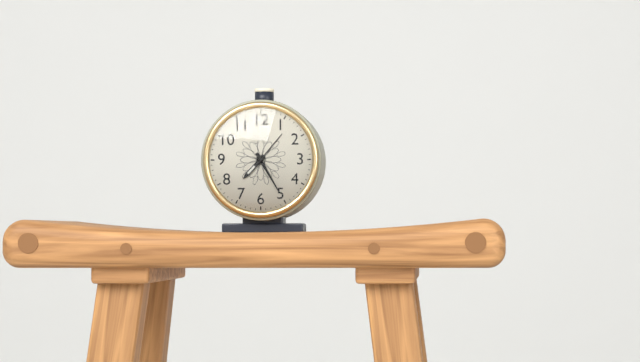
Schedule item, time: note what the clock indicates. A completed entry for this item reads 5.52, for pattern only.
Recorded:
7.25
